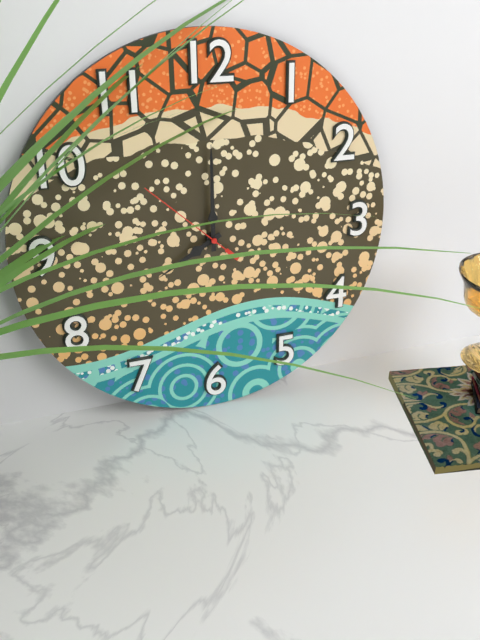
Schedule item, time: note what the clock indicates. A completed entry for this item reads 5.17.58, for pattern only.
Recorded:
8.00.52
